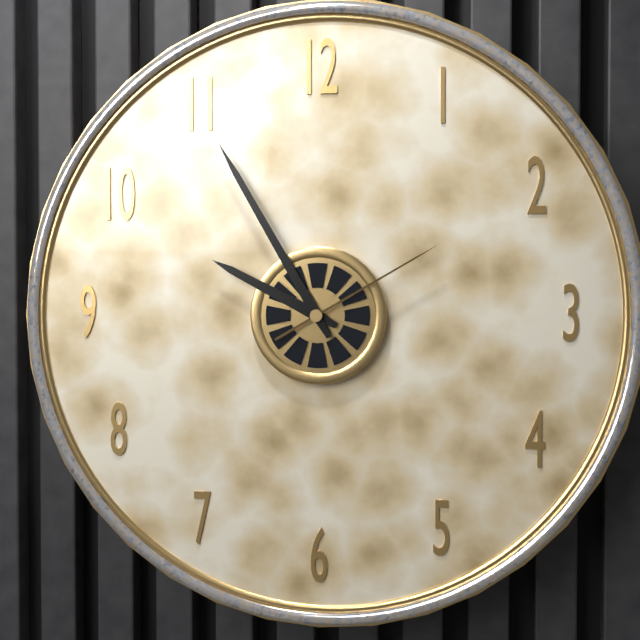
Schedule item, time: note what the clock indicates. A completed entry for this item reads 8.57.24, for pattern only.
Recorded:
9.55.10
